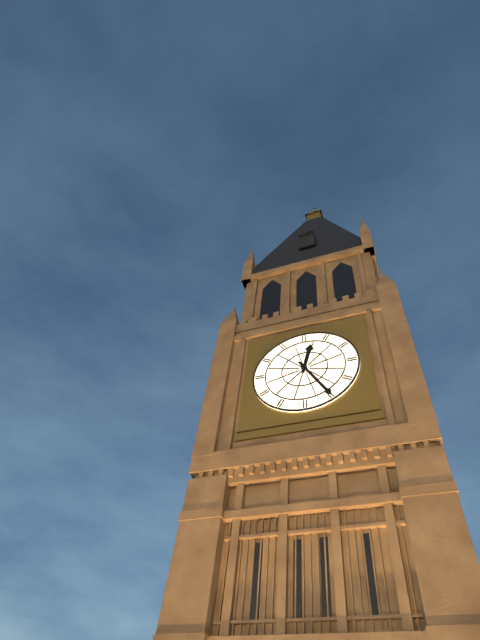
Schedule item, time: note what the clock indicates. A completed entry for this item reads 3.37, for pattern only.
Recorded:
12.25
